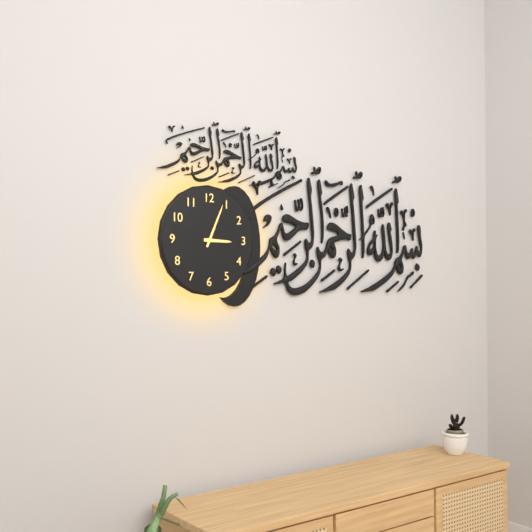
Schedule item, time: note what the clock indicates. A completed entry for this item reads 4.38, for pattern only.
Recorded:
3.04
